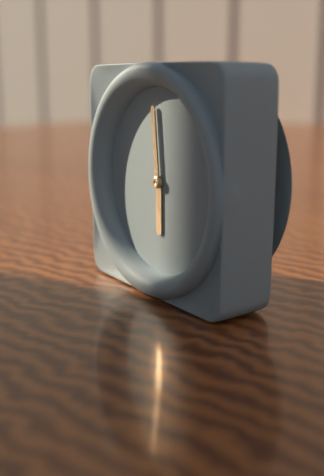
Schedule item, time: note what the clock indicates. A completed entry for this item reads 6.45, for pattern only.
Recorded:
5.59
